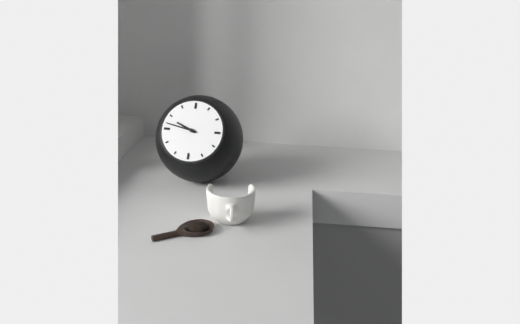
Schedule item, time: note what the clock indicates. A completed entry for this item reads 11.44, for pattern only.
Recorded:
9.47
